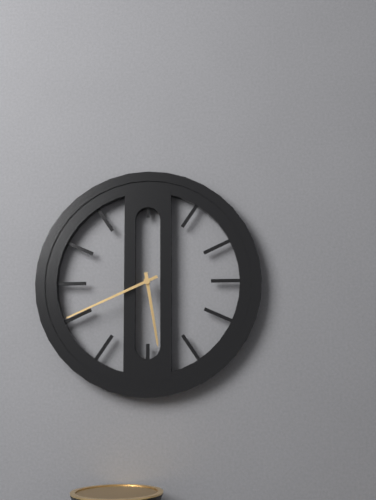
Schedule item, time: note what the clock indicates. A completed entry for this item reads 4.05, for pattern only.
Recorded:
5.41
